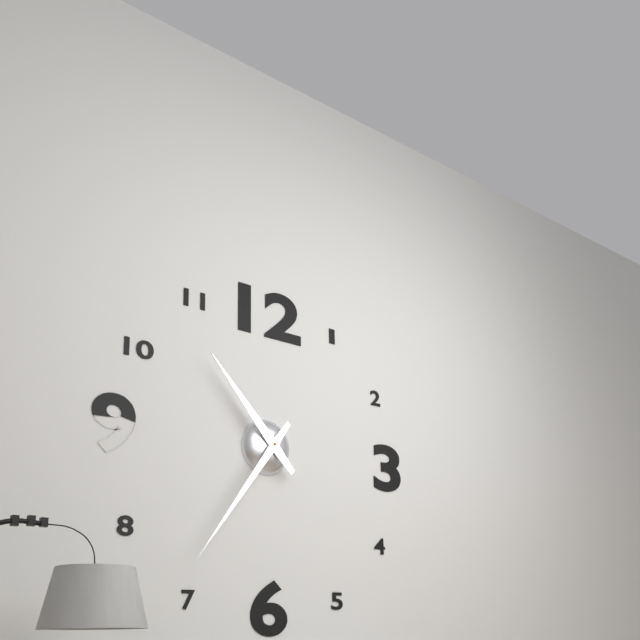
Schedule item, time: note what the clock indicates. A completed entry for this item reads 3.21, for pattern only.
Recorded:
10.36
